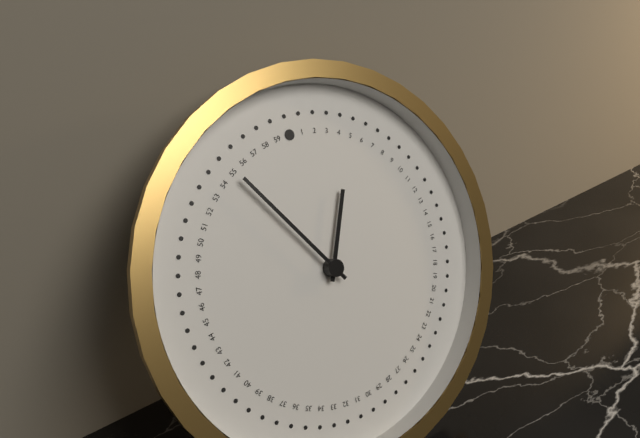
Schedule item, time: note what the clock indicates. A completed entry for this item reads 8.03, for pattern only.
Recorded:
12.55
